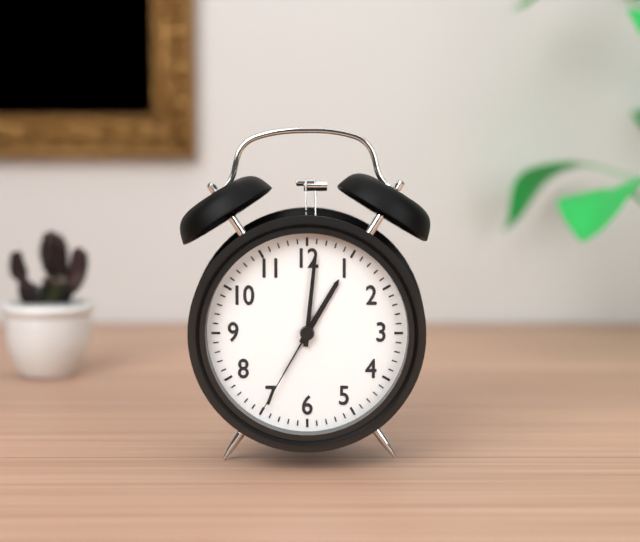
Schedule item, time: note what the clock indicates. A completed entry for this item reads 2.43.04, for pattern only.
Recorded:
1.01.35
